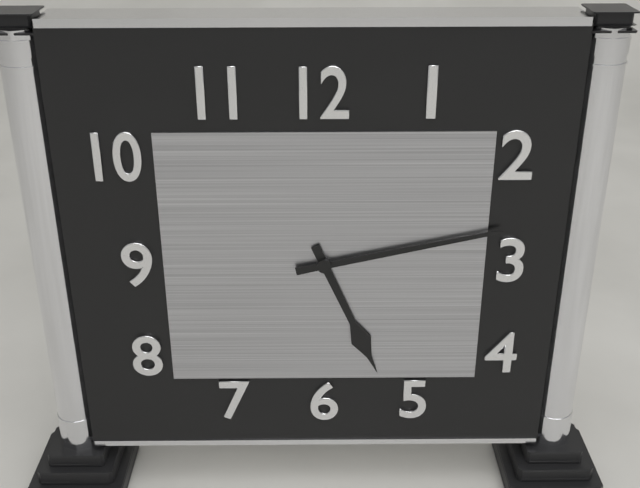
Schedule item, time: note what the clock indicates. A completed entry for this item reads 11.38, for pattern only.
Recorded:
5.13
